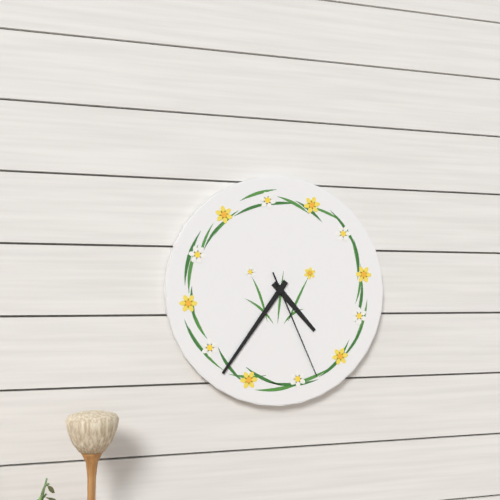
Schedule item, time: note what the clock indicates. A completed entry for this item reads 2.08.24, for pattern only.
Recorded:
4.36.26
